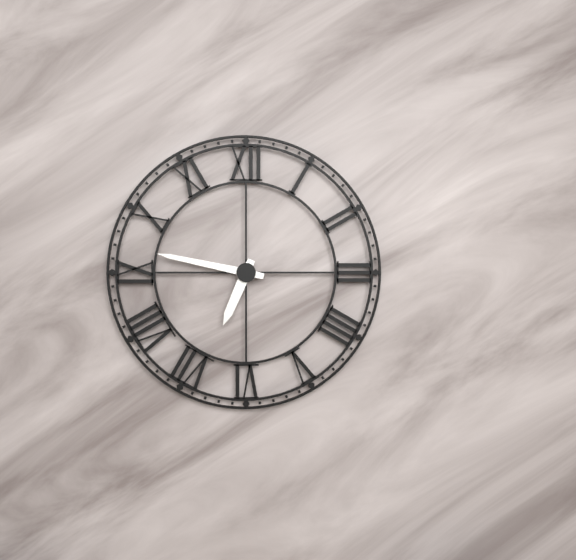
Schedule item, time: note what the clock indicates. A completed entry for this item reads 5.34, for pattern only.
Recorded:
6.47
